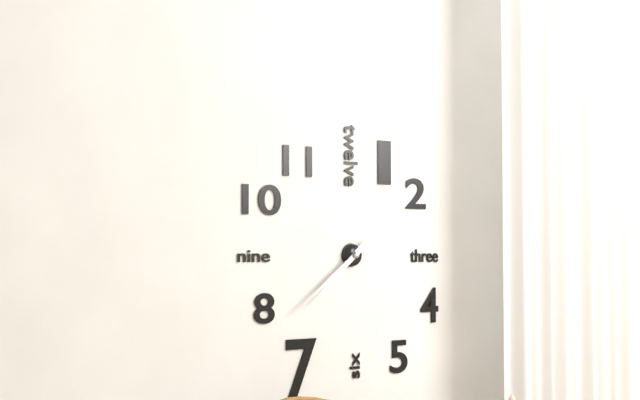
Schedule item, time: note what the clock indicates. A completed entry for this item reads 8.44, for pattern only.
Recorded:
7.39
